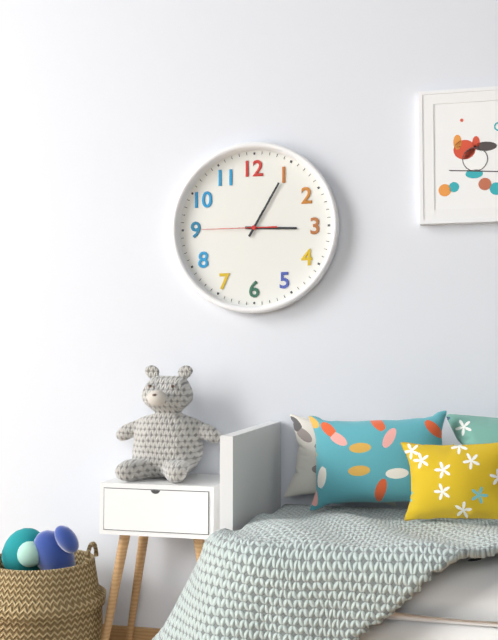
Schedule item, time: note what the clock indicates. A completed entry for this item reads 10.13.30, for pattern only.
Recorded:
3.05.45
